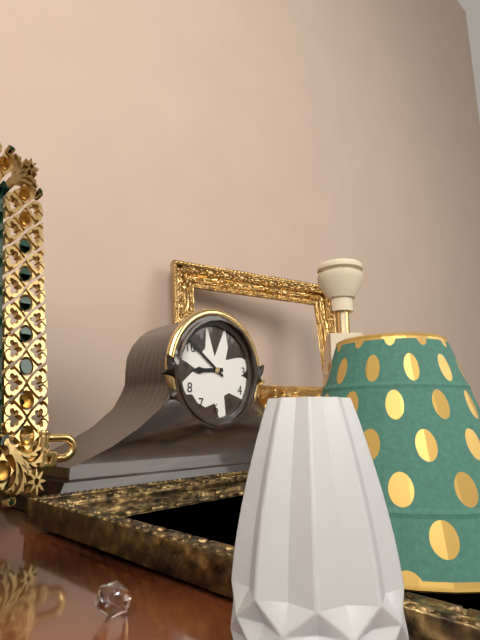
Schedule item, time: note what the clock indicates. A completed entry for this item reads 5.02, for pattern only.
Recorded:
8.51
